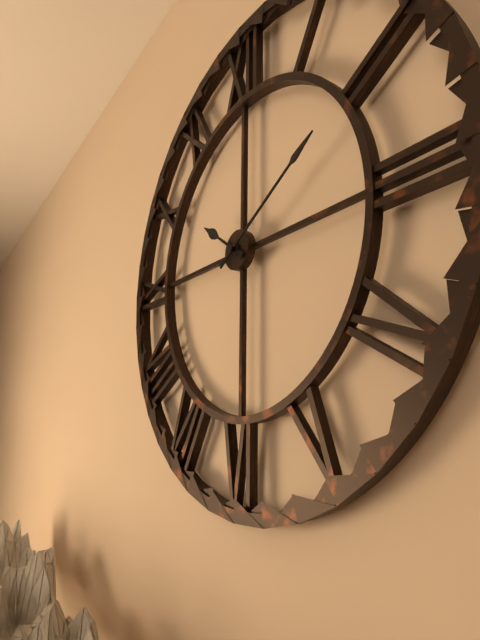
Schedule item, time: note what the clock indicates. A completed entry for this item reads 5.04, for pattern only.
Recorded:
10.10
